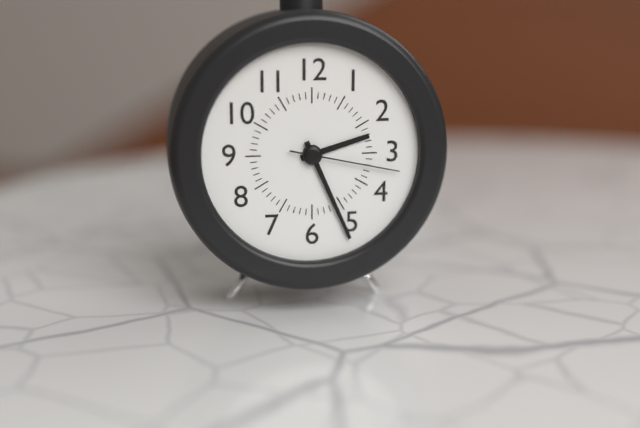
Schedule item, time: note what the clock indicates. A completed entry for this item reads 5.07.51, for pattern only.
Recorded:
2.26.17
